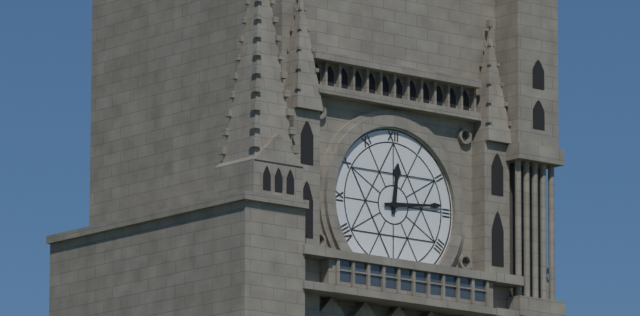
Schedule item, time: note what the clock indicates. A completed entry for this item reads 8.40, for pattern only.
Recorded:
12.14
